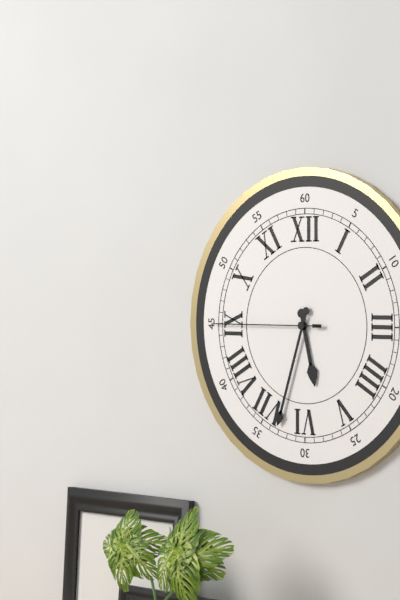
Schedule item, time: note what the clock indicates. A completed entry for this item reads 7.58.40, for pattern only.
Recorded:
5.33.45
